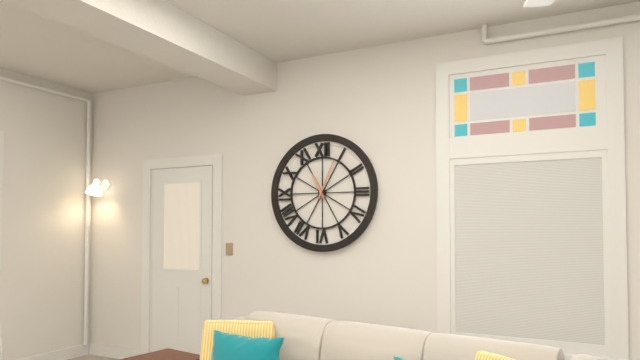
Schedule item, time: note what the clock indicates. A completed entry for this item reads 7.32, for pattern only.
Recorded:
11.04
